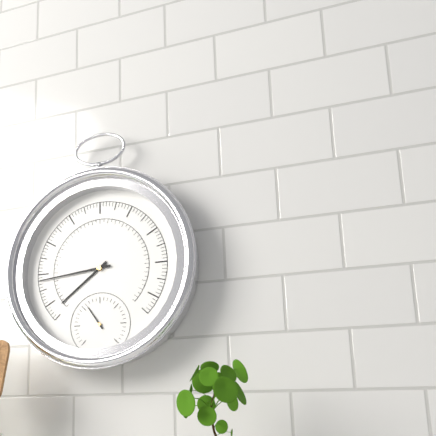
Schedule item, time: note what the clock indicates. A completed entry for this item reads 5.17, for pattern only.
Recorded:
7.44
